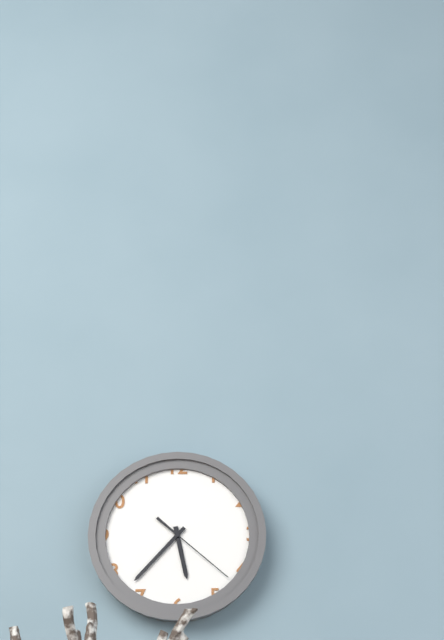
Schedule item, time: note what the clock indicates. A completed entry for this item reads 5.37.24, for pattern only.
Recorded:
5.37.22
